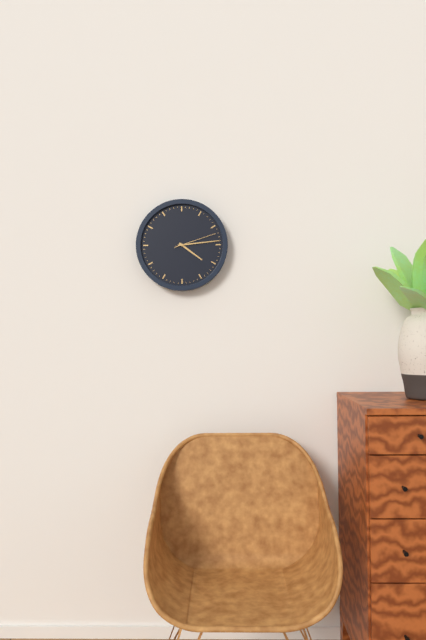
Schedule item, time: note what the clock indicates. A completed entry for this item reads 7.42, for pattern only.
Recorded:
4.14
